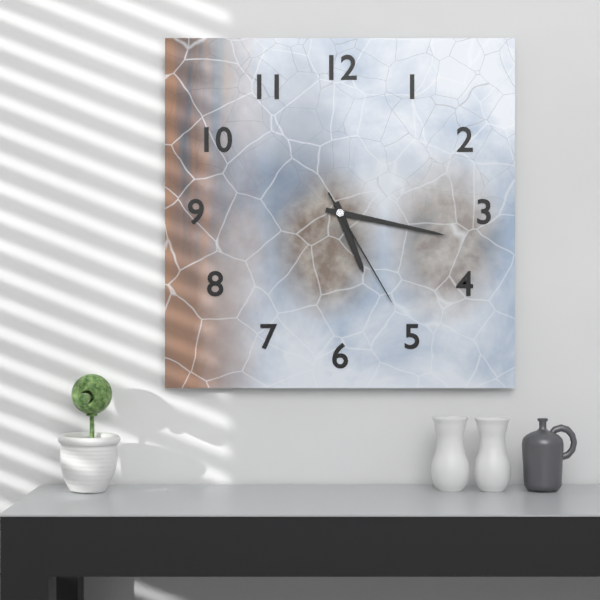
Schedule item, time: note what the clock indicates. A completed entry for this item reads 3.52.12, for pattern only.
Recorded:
5.17.25
